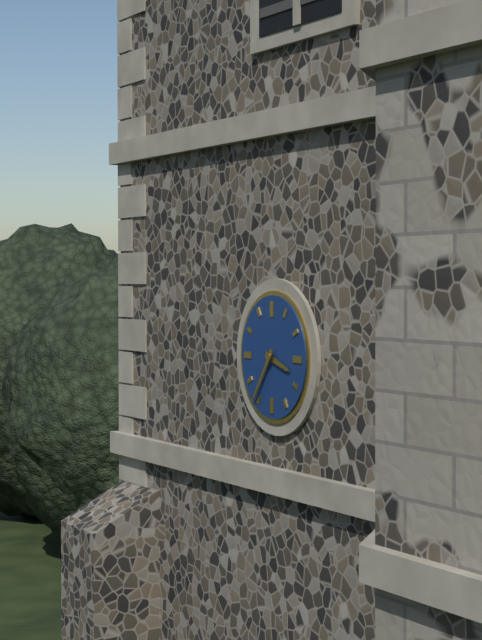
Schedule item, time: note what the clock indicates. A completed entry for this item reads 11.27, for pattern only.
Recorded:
3.36
